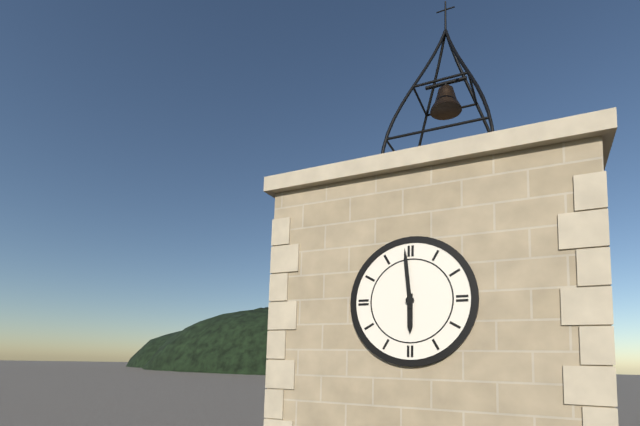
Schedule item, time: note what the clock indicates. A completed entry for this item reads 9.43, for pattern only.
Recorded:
5.59
